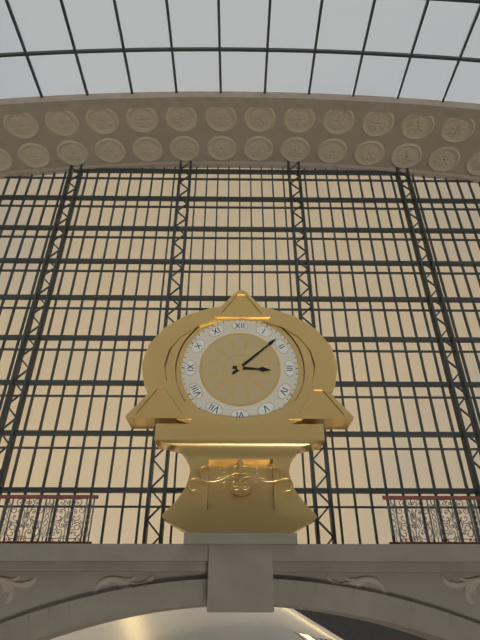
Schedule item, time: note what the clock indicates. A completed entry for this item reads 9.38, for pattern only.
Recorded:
3.08
